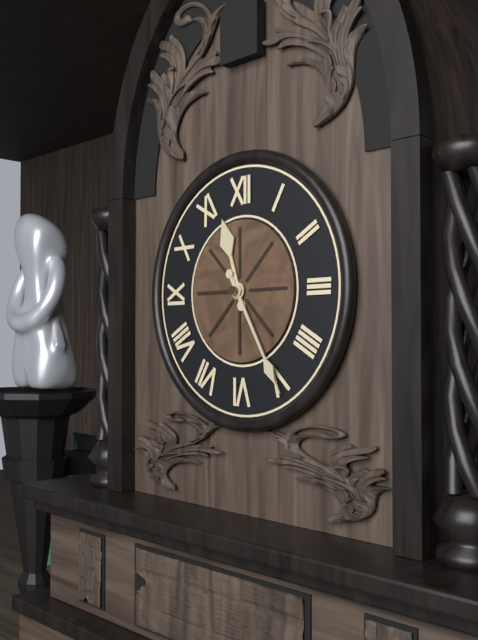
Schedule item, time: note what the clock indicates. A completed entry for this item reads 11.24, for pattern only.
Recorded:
11.25
